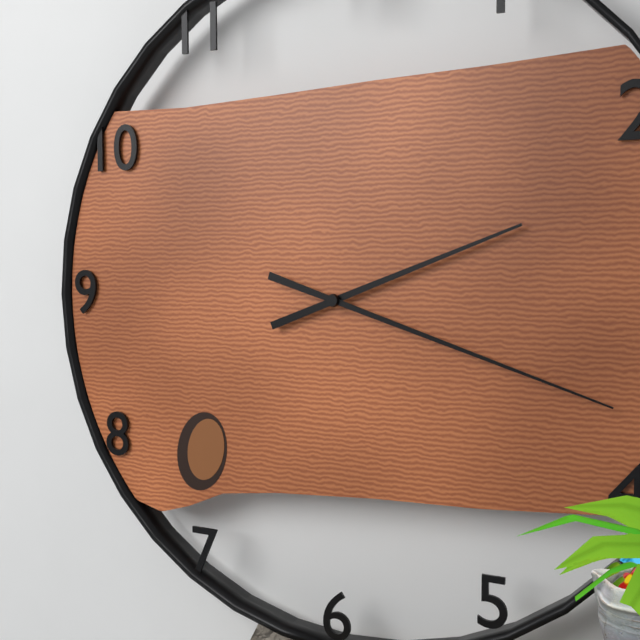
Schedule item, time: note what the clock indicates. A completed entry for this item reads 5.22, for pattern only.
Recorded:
2.18
